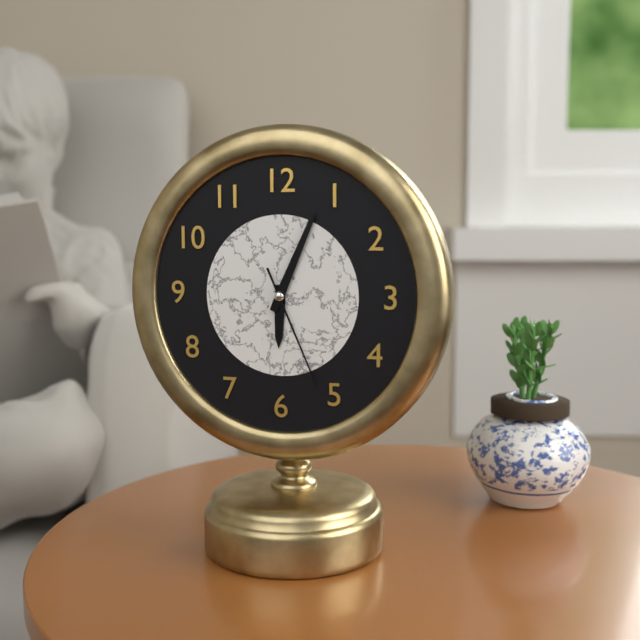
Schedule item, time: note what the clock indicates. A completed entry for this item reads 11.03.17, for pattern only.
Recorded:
6.04.26
